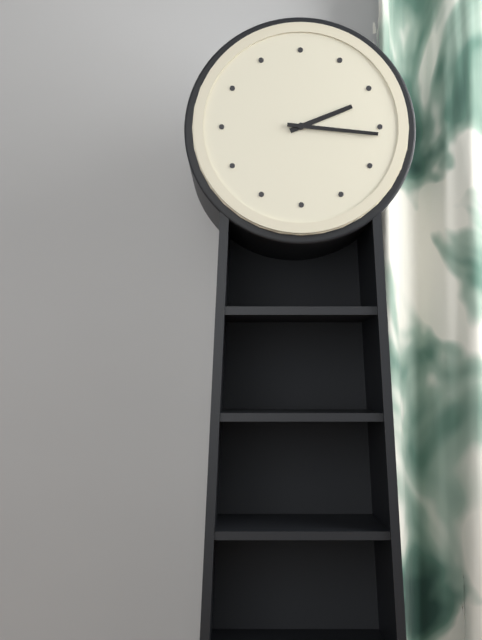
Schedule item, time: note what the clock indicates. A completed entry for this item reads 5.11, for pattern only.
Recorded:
2.16
